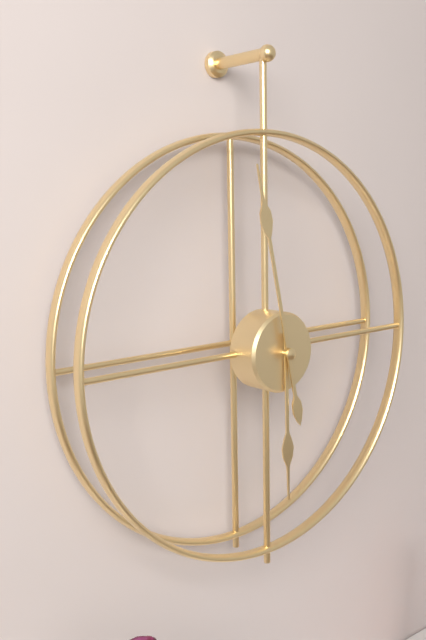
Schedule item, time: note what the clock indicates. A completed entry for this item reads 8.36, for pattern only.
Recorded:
5.58
